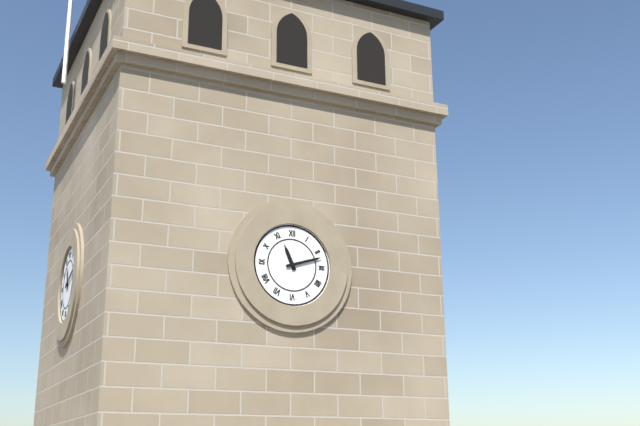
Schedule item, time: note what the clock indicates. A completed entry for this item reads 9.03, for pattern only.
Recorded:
11.12
